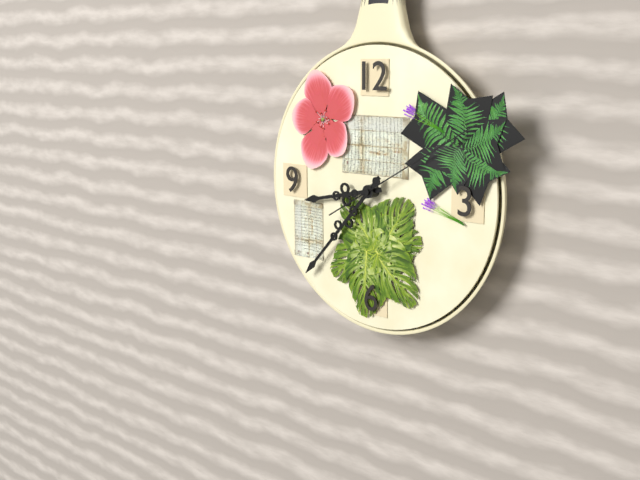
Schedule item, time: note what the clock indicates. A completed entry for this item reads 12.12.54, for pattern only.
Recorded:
8.37.10
